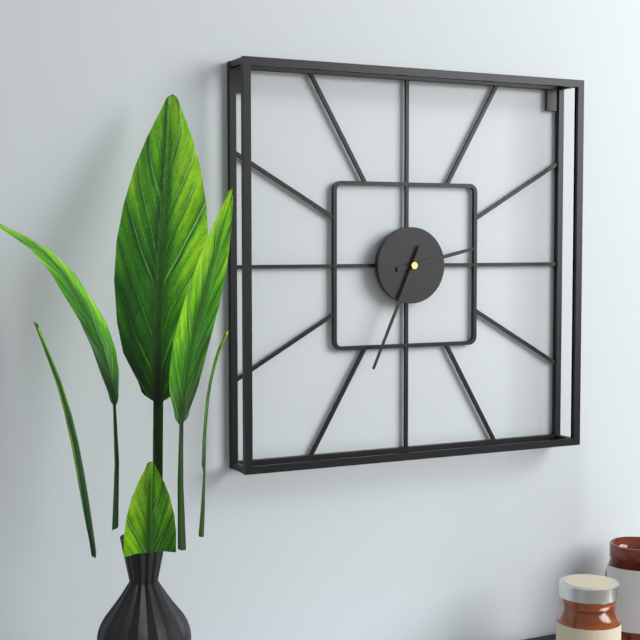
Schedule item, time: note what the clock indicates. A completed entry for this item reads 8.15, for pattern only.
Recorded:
2.34
